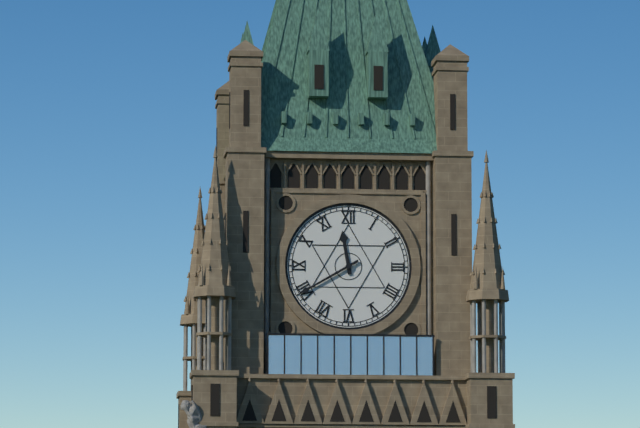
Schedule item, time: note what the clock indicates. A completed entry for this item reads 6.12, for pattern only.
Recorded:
11.40
